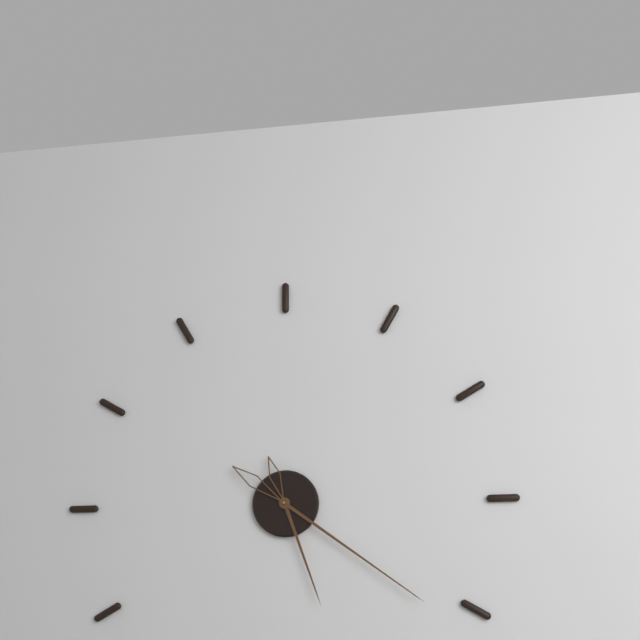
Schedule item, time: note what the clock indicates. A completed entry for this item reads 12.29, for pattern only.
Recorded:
5.21
